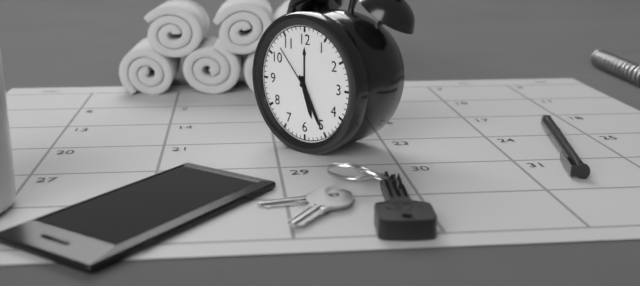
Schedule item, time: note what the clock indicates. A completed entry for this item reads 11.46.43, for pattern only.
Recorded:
5.25.53
